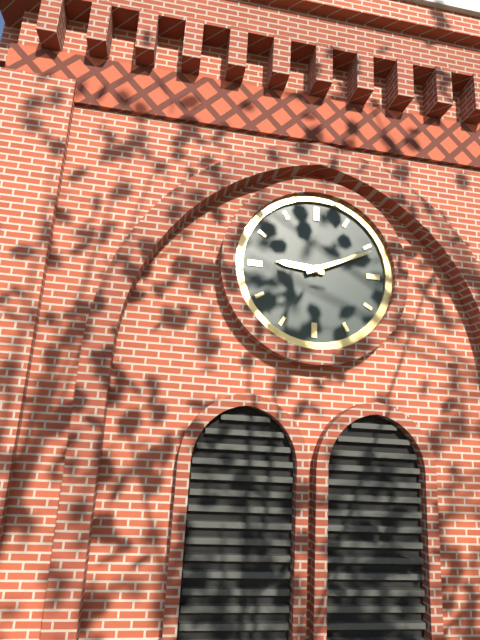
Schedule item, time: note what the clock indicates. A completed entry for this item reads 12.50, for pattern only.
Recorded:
9.11
